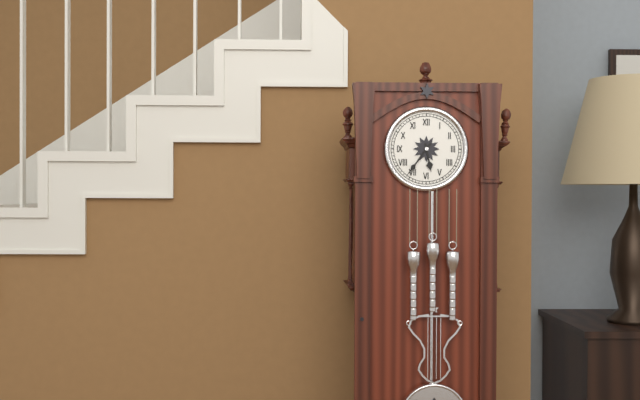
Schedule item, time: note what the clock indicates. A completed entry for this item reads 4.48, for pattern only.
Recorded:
5.36
